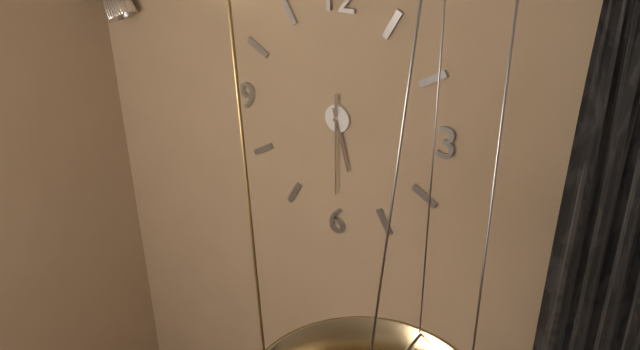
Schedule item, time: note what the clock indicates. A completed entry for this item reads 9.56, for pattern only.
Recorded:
5.30
